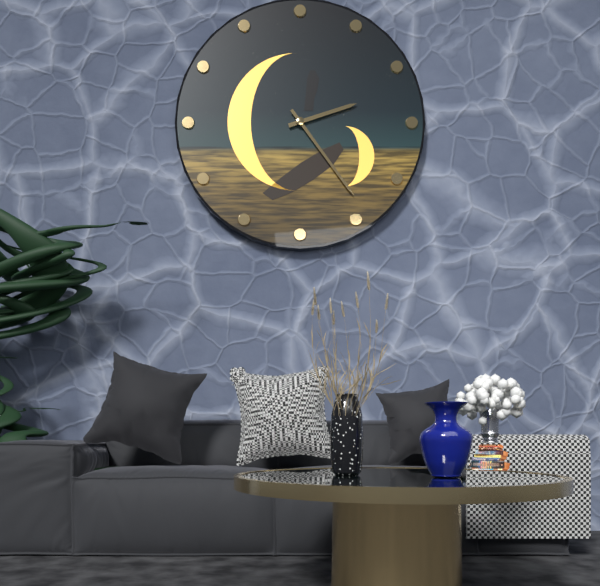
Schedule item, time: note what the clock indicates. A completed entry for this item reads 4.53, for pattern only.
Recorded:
2.24
